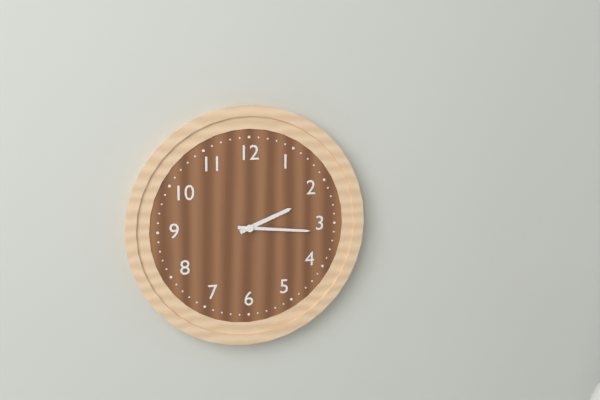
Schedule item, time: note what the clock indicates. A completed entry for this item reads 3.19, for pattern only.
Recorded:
2.16
